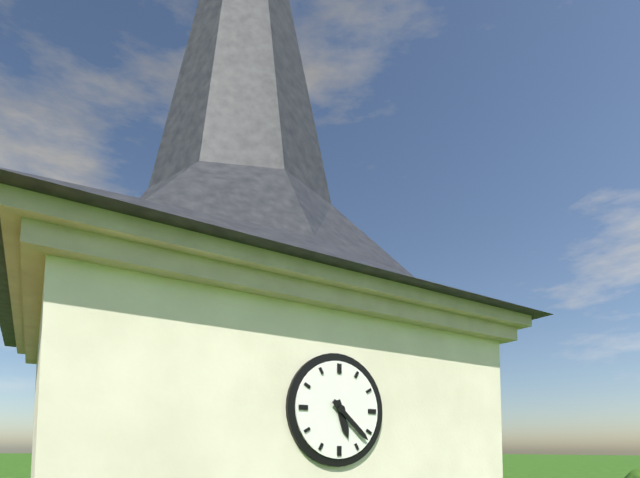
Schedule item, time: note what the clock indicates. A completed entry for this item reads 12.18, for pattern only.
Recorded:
5.22
